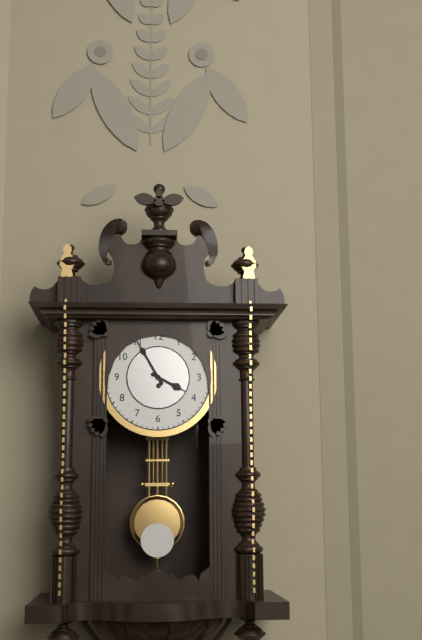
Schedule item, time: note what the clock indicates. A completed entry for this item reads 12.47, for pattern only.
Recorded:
3.55
